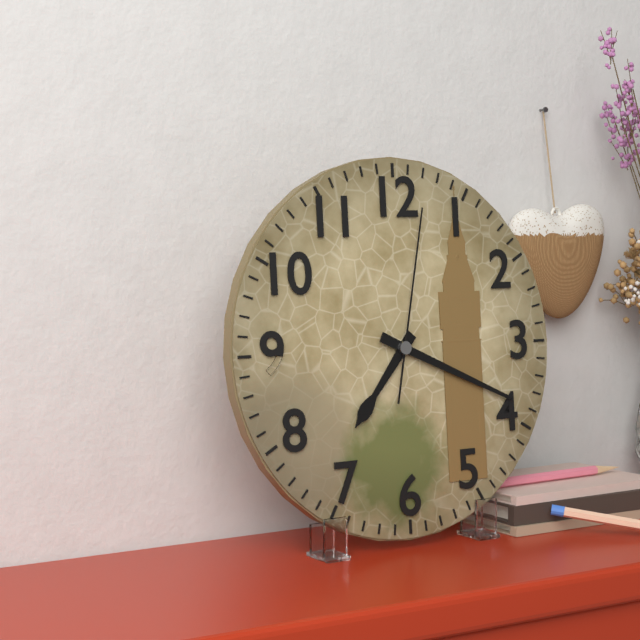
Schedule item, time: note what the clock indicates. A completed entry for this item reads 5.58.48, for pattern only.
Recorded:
7.19.02
